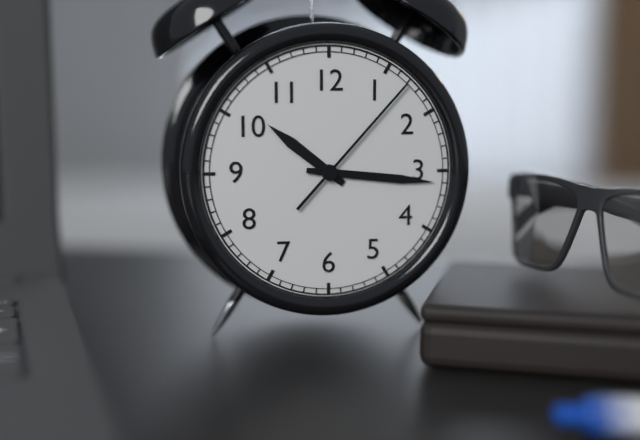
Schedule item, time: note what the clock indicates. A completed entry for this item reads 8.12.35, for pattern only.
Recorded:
10.16.07
